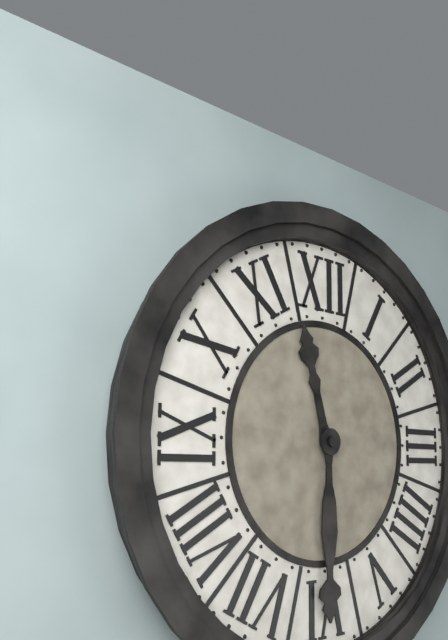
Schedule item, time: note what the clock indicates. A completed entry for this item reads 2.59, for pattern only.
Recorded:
11.30
